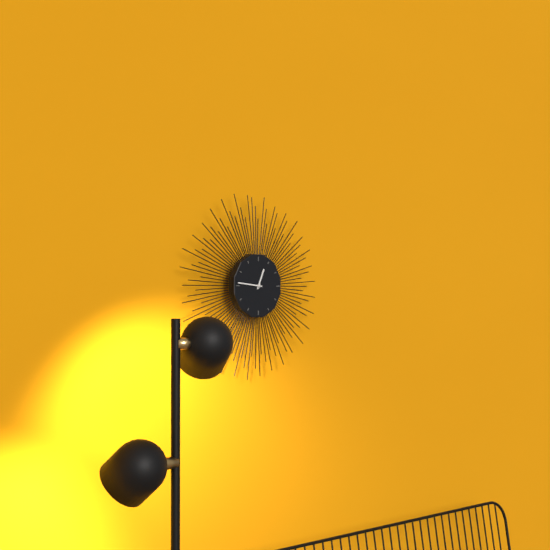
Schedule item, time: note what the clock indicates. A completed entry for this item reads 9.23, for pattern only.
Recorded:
12.46
